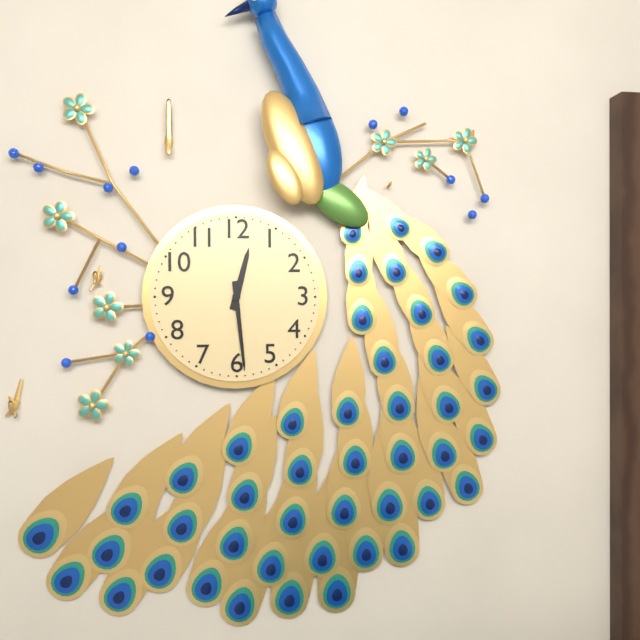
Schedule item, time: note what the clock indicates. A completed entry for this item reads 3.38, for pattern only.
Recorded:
12.29
